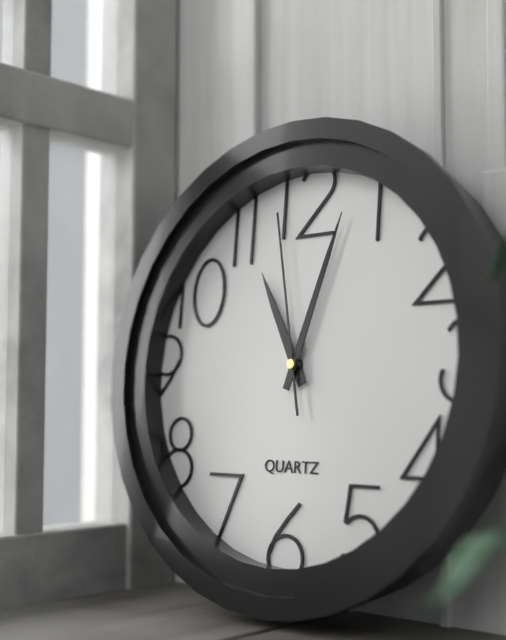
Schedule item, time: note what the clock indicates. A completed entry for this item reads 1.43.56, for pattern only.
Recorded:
11.03.58
